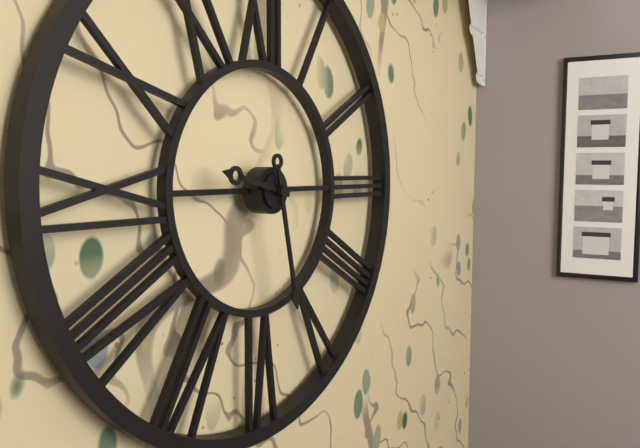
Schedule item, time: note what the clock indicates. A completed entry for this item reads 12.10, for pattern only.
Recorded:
9.28
